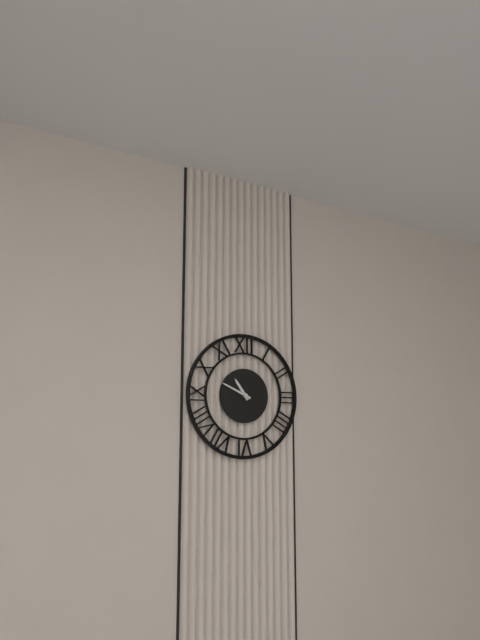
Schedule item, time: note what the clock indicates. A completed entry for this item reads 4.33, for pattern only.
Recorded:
10.49
